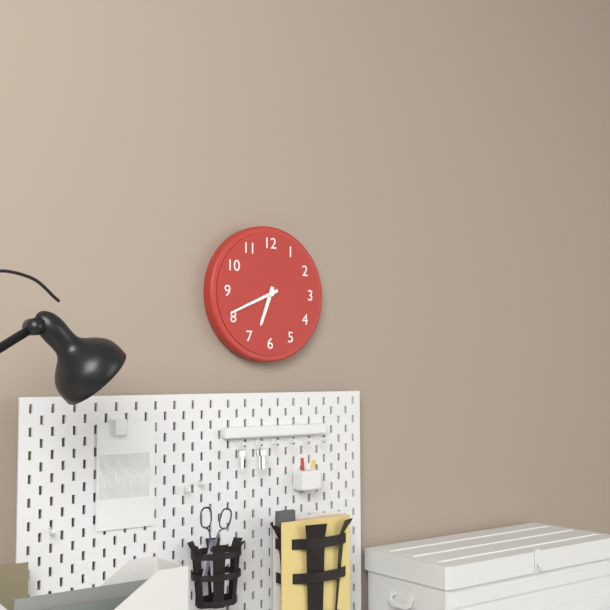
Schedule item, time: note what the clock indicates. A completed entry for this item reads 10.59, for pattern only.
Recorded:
6.41
